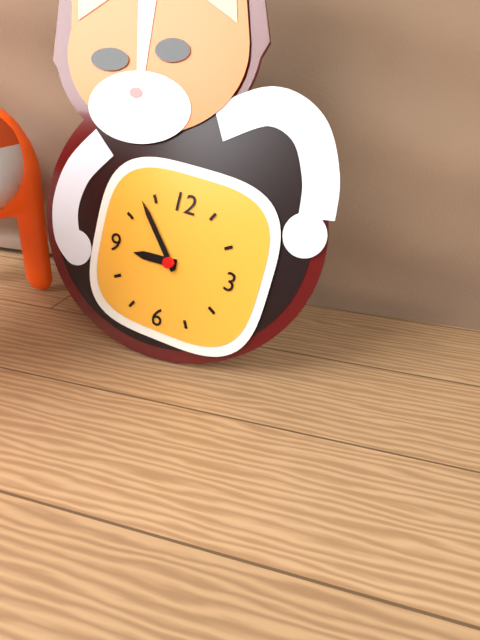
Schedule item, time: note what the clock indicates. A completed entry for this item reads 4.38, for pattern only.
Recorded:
8.53
